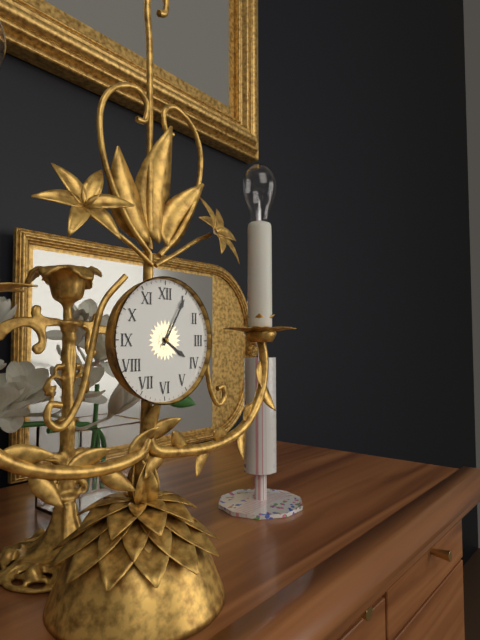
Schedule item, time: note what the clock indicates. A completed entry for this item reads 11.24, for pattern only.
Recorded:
4.05
